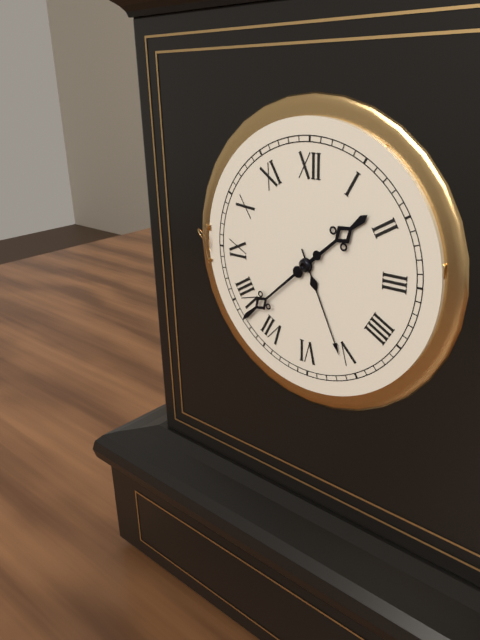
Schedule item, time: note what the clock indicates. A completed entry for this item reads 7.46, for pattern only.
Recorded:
1.38
